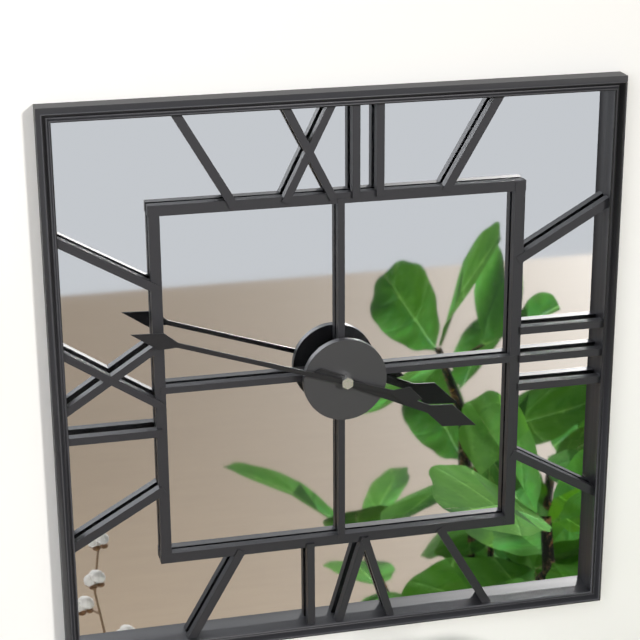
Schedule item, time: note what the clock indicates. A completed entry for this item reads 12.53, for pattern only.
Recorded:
3.48
